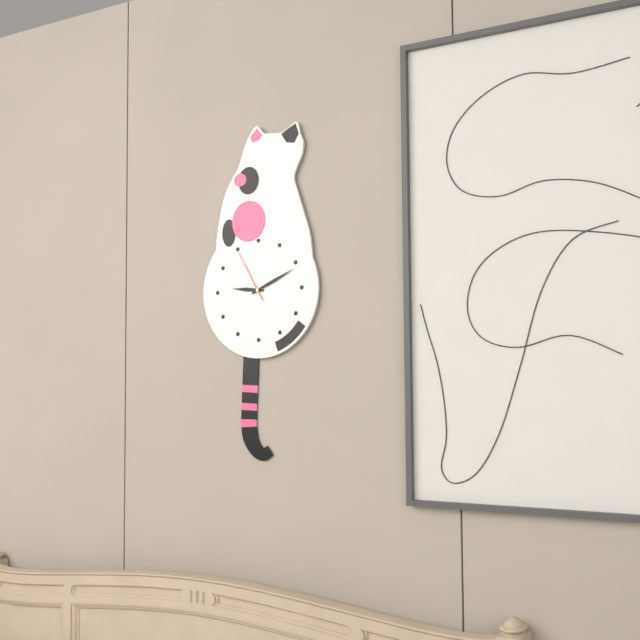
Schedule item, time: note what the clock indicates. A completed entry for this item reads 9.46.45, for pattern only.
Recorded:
9.11.55
